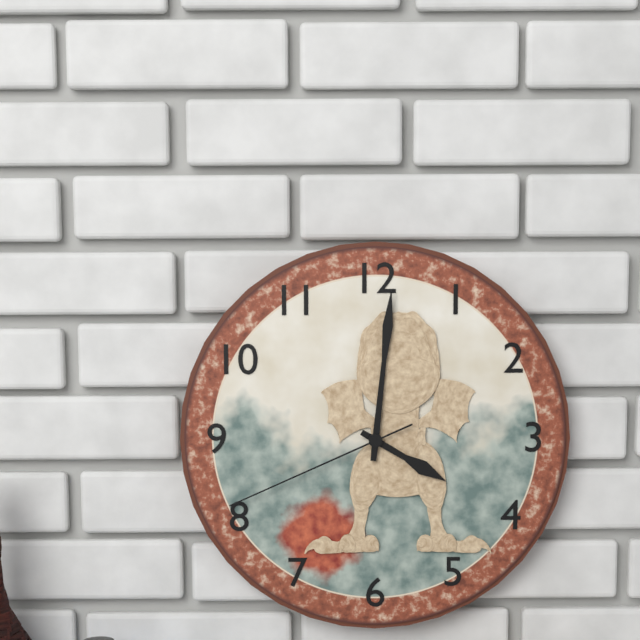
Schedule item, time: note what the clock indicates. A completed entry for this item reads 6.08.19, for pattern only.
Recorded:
4.01.41
